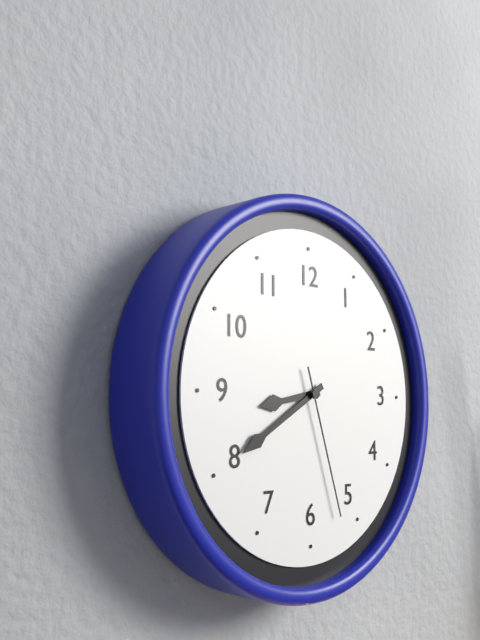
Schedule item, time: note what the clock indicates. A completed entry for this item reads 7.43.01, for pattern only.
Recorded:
8.40.27
